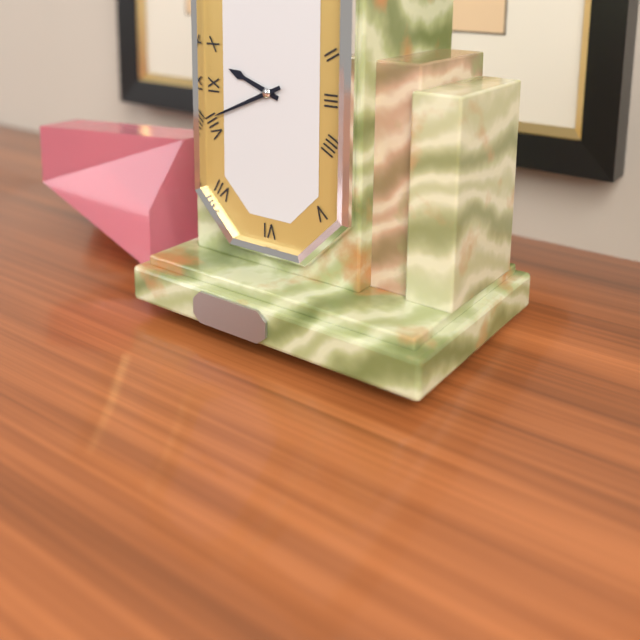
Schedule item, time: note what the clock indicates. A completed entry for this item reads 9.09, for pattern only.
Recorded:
9.41
